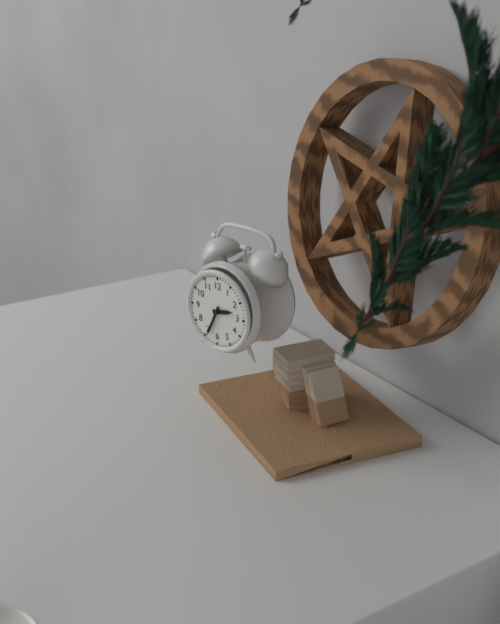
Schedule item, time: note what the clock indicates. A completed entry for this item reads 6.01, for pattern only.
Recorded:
2.34
